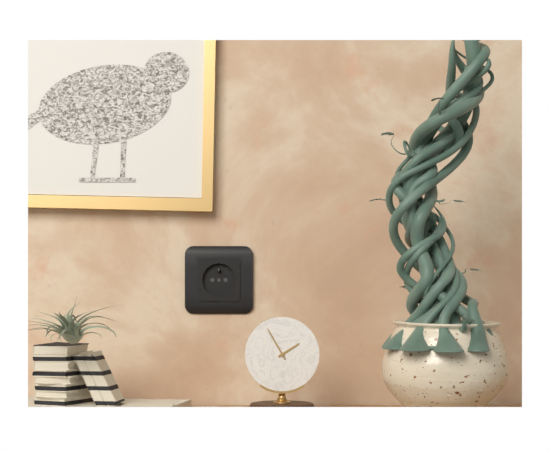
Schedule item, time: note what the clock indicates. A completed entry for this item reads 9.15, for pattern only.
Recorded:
1.55
